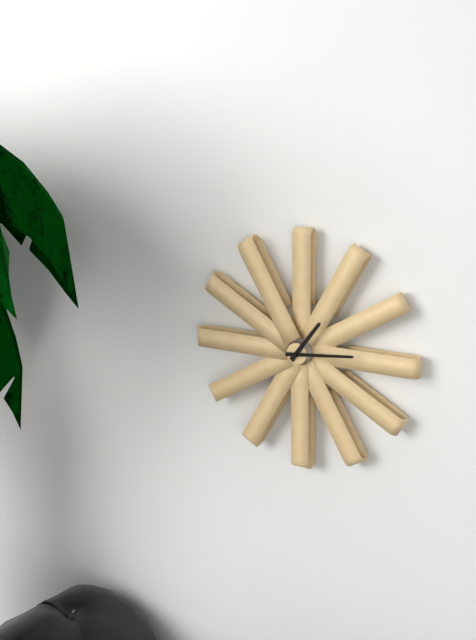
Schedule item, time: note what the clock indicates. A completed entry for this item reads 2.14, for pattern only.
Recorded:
1.14
